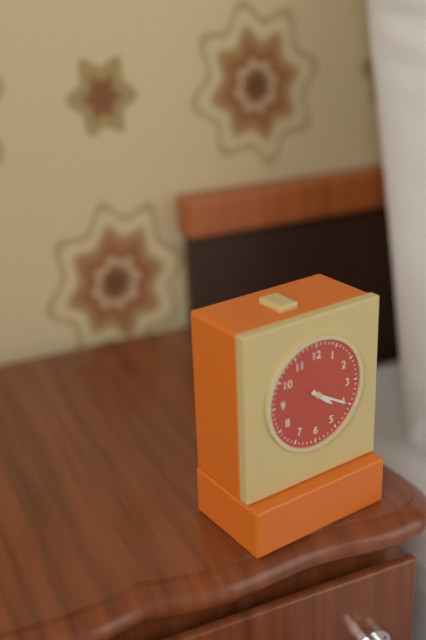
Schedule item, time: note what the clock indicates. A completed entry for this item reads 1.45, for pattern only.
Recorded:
4.20
